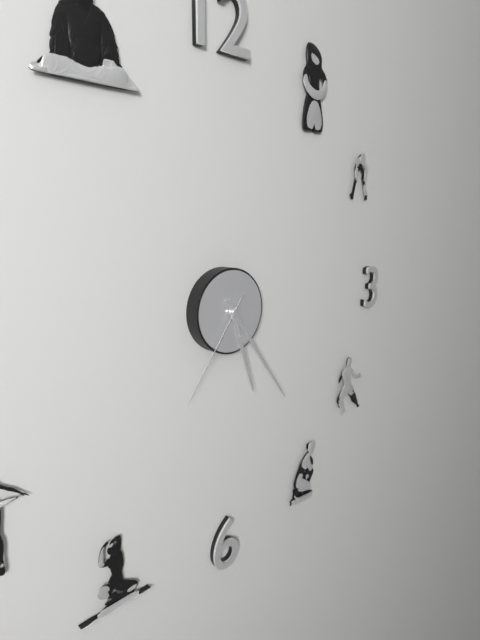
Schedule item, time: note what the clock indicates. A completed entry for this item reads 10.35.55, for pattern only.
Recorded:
5.24.36
